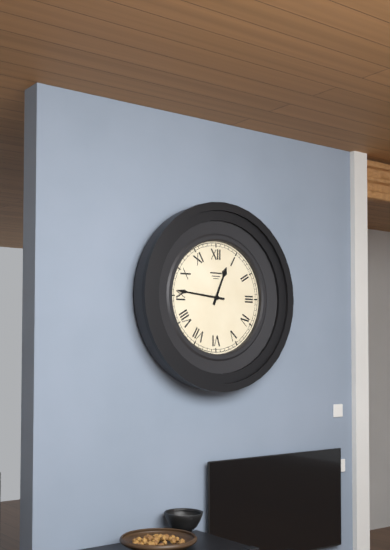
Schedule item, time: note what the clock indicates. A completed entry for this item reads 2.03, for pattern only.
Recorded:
12.46
